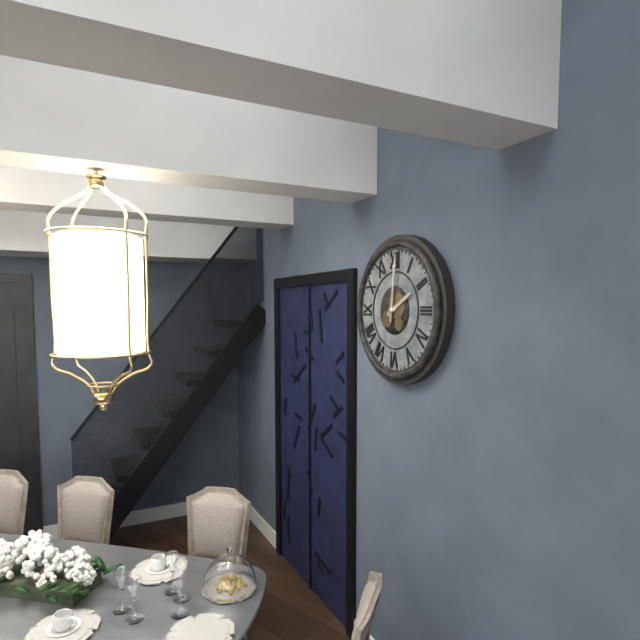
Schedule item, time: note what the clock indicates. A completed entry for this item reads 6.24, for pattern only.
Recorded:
2.01
